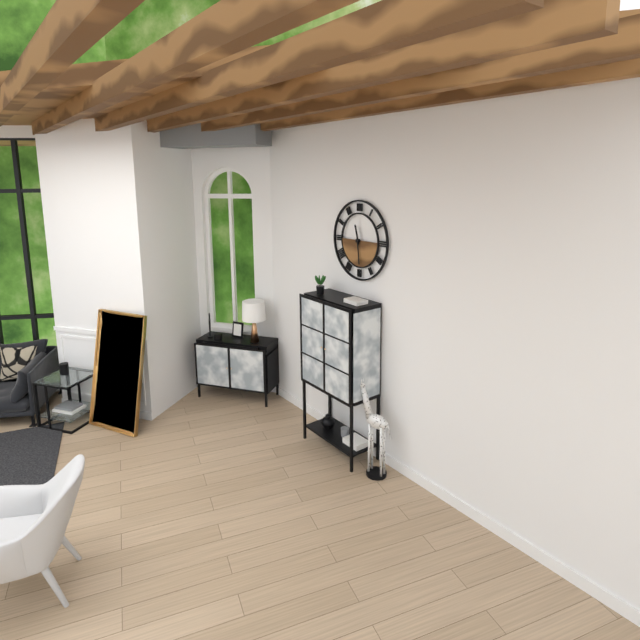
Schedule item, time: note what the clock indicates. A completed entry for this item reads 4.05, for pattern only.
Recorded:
11.29
